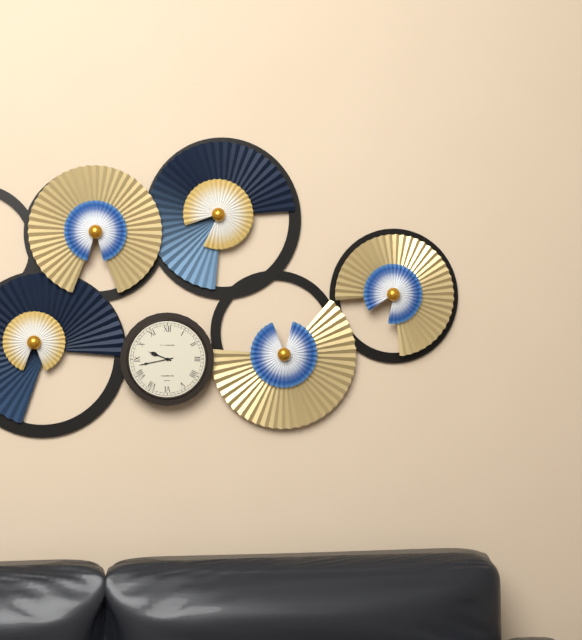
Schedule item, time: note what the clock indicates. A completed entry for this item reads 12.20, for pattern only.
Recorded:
9.43
